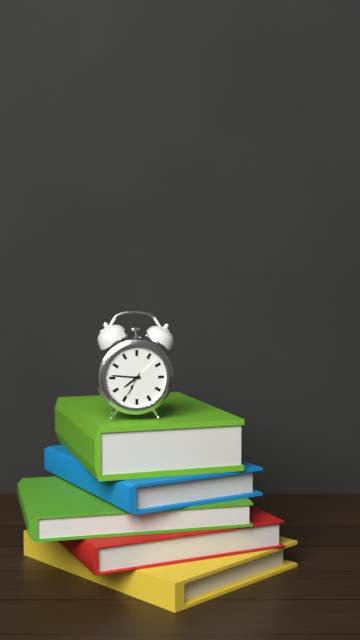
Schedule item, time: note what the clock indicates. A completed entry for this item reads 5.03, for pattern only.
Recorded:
7.46
